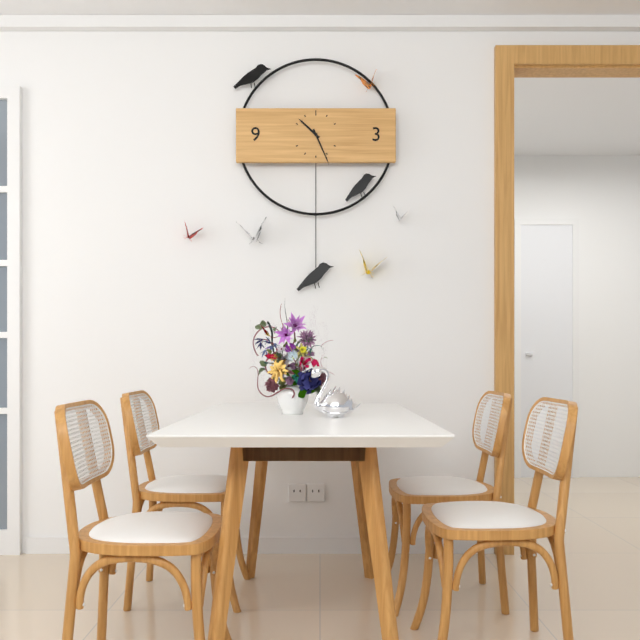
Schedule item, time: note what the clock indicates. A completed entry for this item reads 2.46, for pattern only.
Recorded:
10.26
